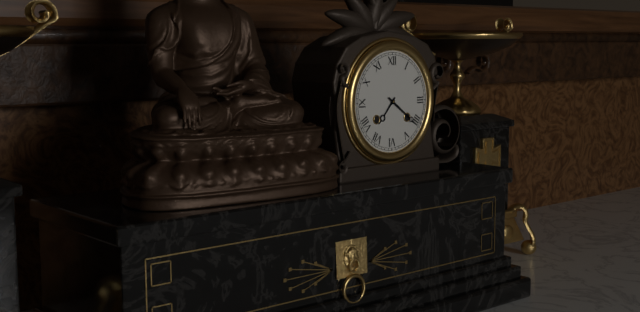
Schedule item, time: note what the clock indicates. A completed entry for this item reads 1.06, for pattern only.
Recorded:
7.21
